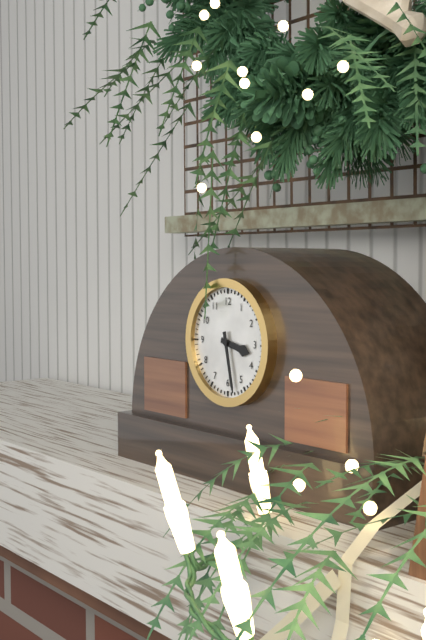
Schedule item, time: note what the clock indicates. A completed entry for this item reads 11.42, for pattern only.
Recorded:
3.28
